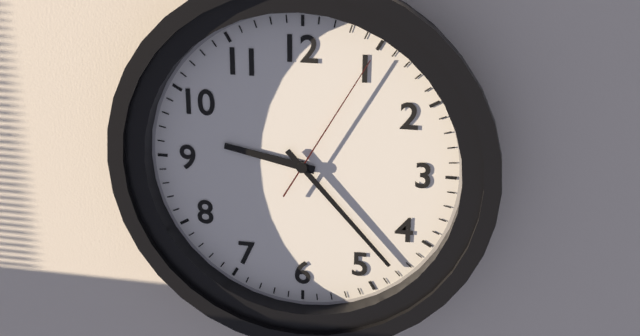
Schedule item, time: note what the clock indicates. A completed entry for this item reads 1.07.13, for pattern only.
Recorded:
9.23.05
